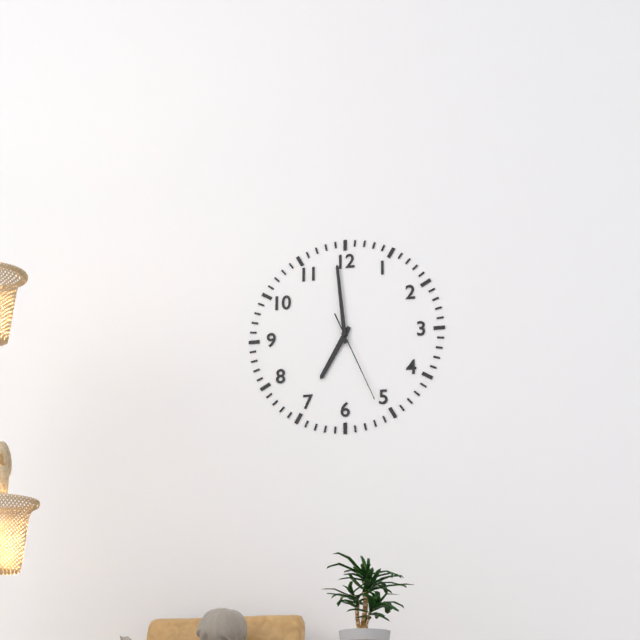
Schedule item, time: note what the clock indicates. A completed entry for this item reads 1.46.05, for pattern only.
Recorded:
6.59.26
